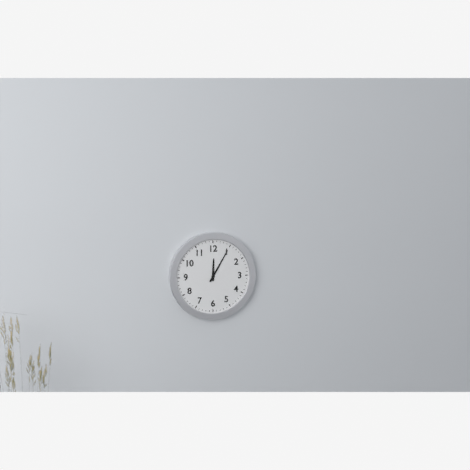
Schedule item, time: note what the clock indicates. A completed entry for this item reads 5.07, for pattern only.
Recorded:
12.05
